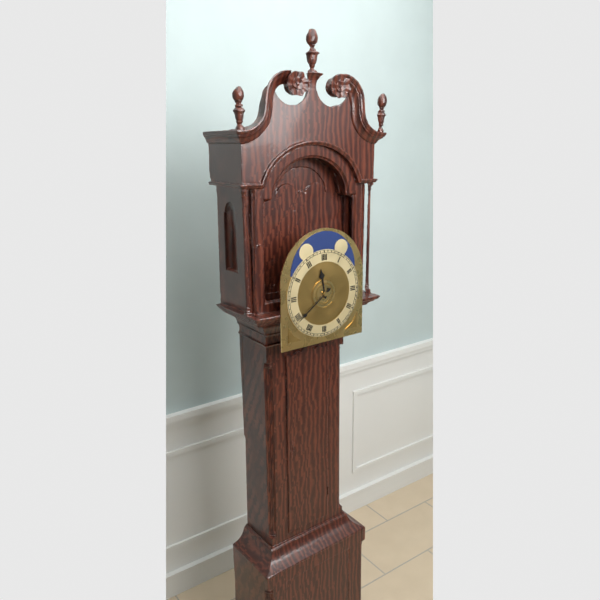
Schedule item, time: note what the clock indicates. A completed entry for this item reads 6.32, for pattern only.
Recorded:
11.39
